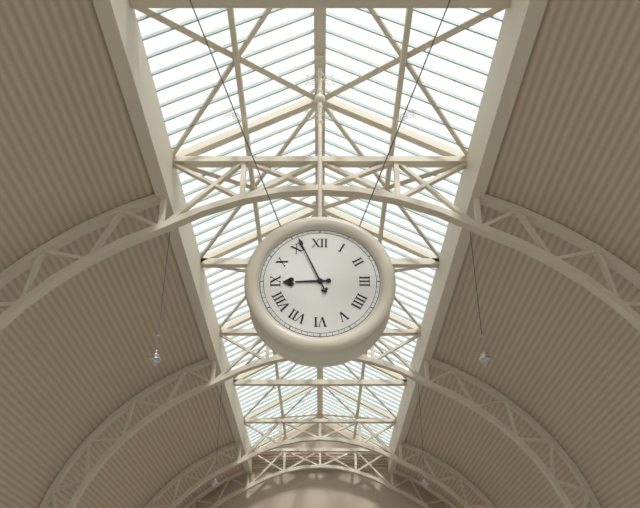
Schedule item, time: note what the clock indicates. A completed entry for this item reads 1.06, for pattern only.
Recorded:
8.56
